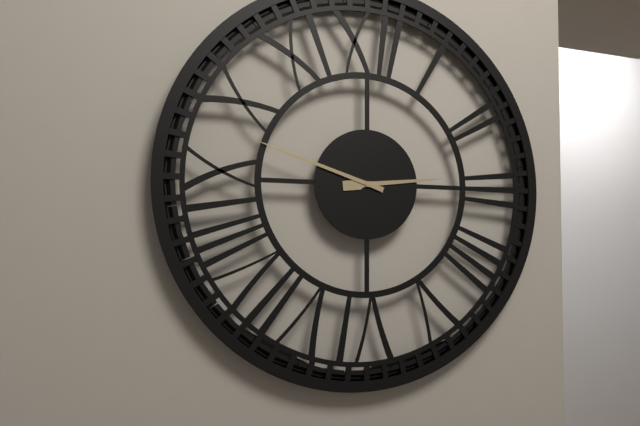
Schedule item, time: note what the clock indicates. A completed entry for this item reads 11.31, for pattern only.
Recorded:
2.48
